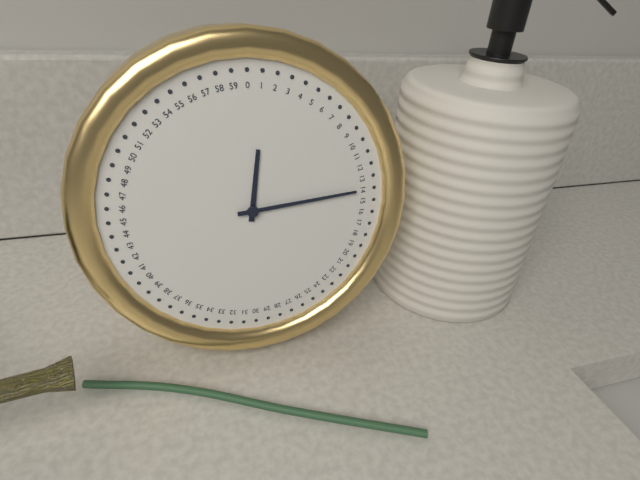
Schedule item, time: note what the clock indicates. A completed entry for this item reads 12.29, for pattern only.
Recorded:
12.14
